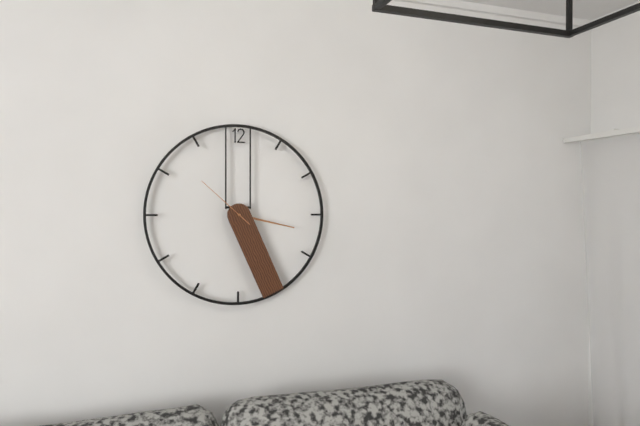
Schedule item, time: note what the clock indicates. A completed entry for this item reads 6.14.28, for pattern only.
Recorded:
3.26.52
